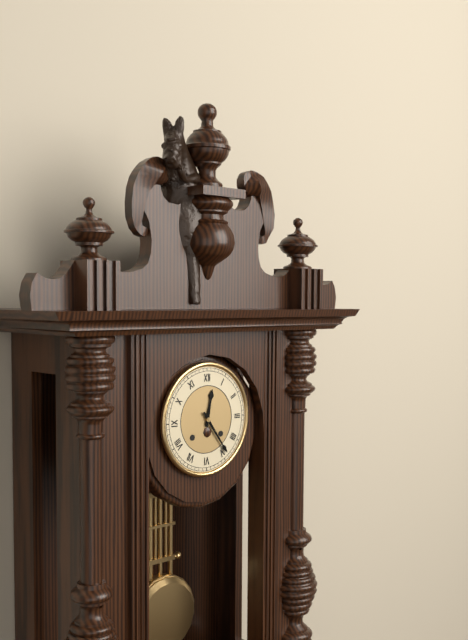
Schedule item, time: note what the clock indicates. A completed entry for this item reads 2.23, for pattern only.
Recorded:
12.24
